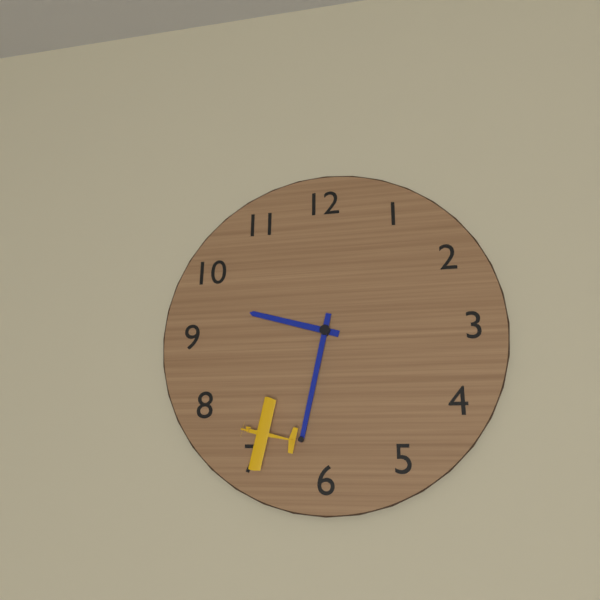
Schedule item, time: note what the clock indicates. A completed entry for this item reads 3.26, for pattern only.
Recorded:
9.32
